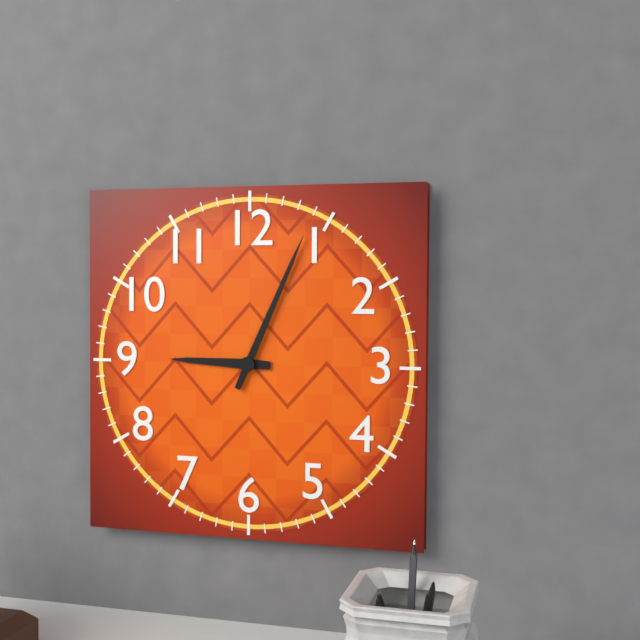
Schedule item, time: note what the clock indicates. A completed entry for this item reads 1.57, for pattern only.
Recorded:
9.04
